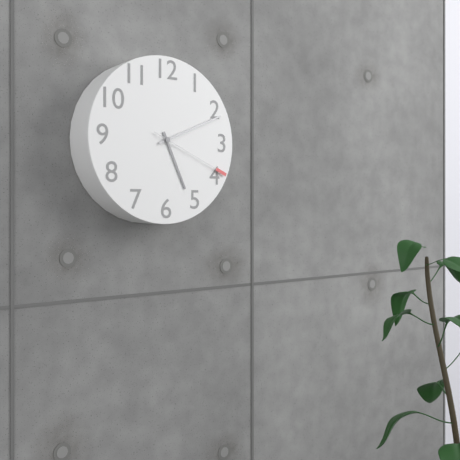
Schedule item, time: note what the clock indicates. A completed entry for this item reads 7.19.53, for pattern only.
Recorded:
5.11.19
